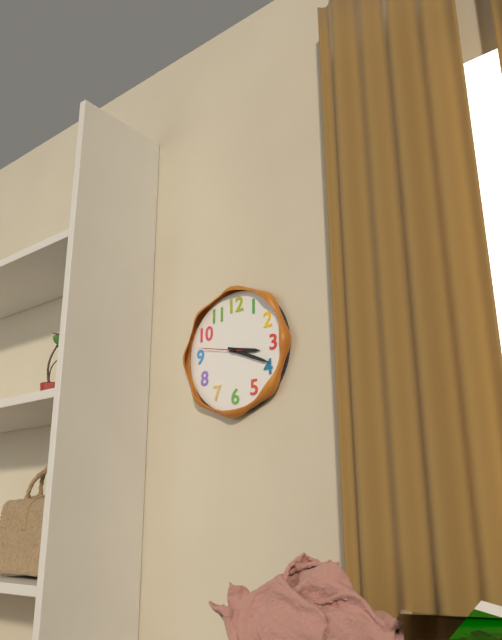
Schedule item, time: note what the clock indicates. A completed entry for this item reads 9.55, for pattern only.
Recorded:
3.19
